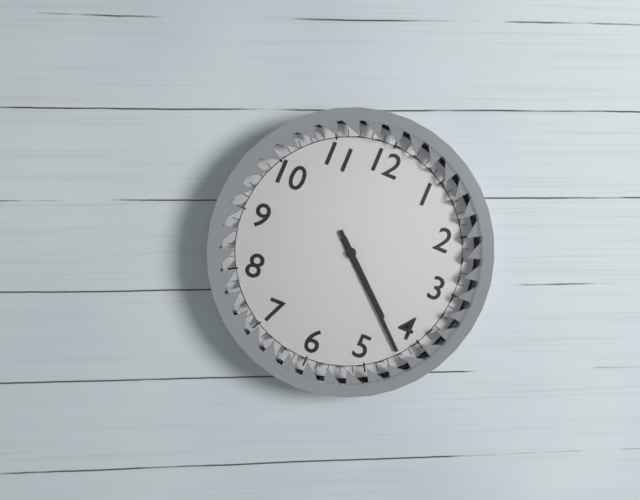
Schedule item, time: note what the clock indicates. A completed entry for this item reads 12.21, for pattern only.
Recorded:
4.22
